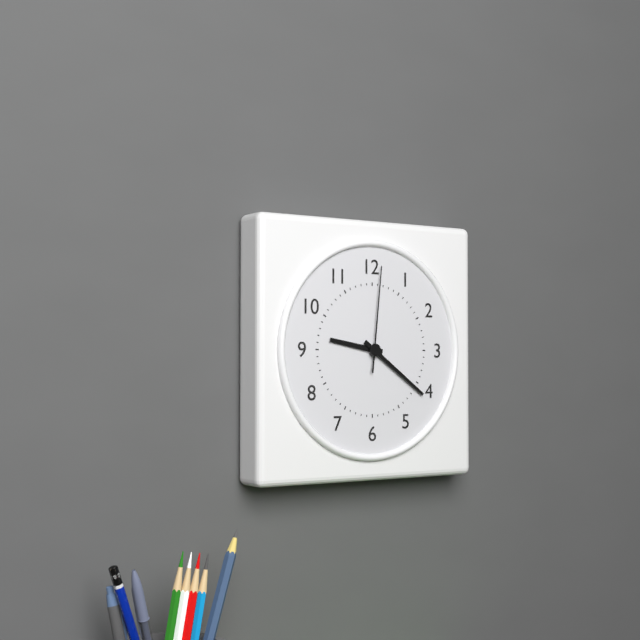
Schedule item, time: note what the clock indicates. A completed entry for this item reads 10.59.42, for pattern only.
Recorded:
9.21.01
